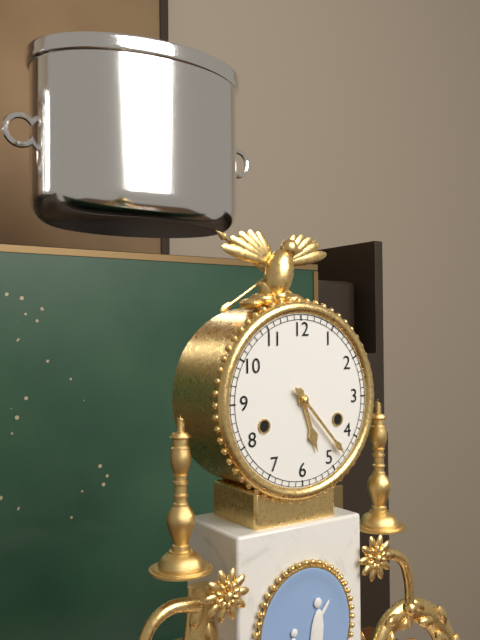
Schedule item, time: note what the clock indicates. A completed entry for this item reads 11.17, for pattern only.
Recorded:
5.23
